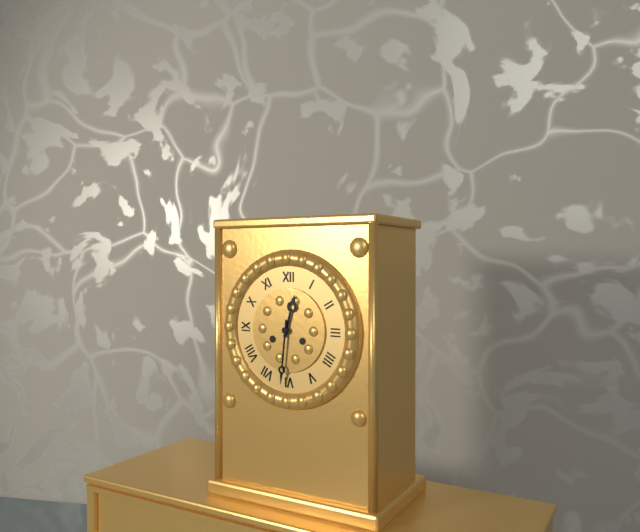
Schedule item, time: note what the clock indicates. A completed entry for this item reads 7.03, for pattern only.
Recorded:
12.31
